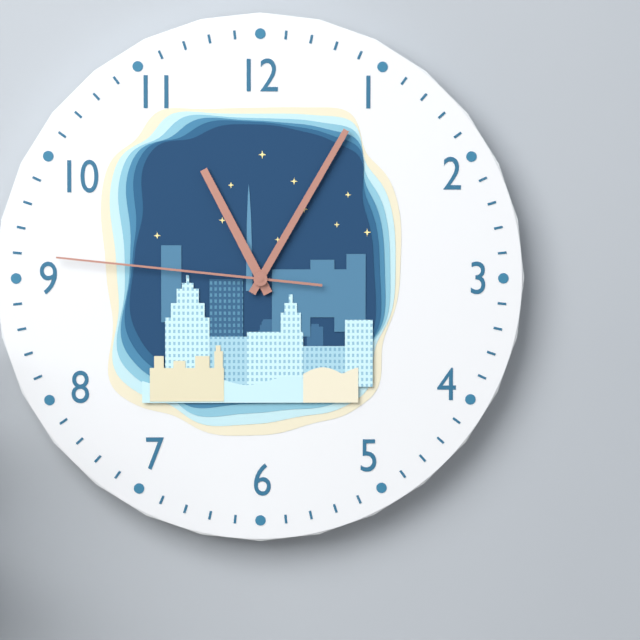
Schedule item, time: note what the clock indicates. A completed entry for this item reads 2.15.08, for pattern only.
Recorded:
11.05.46
